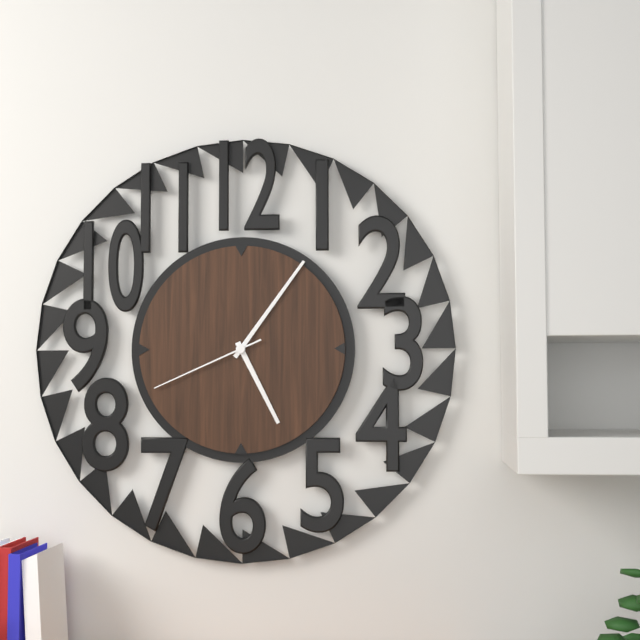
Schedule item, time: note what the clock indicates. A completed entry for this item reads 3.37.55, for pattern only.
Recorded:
5.06.41
